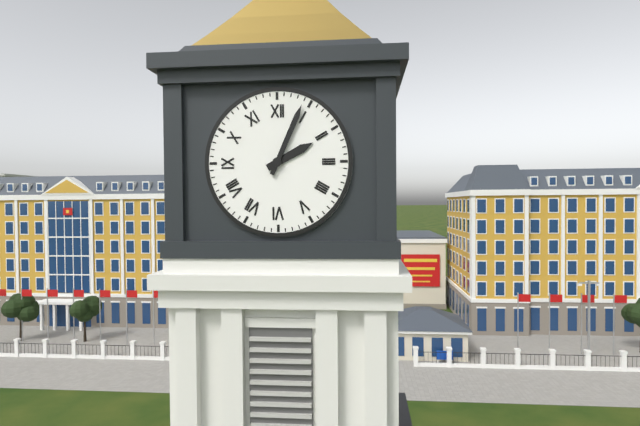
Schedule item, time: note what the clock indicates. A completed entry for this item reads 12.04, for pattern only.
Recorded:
2.04
